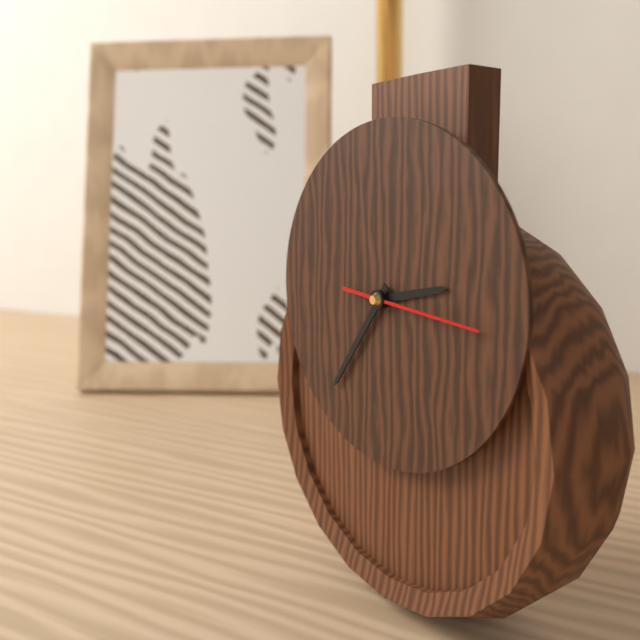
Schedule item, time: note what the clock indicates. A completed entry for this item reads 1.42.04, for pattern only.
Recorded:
2.36.16
